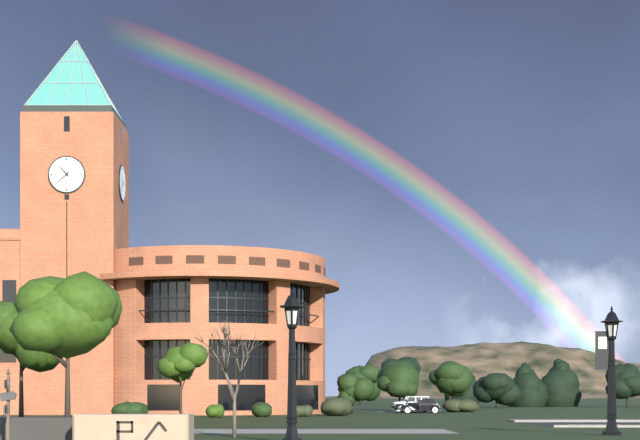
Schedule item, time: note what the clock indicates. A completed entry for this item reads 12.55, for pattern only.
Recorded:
10.38
